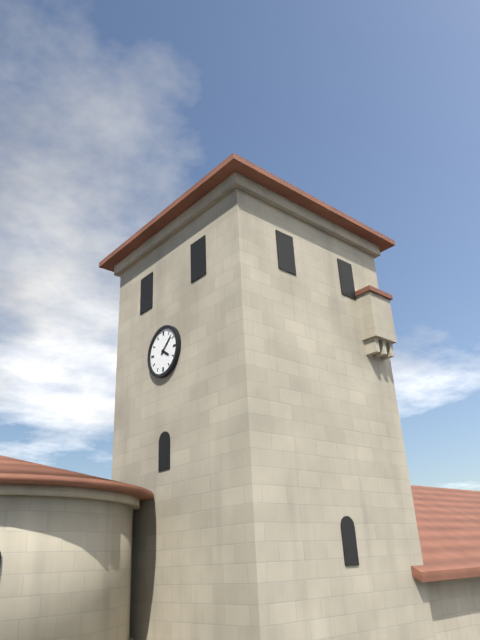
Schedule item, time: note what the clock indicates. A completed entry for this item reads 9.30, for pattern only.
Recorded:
4.08
